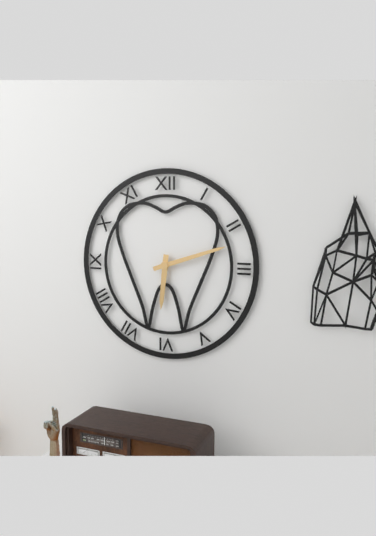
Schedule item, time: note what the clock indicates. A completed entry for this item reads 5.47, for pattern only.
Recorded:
6.12
